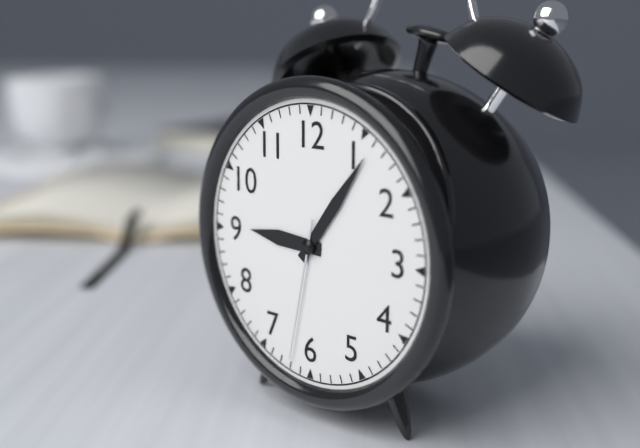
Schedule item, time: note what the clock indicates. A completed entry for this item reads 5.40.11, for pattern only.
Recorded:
9.06.32
